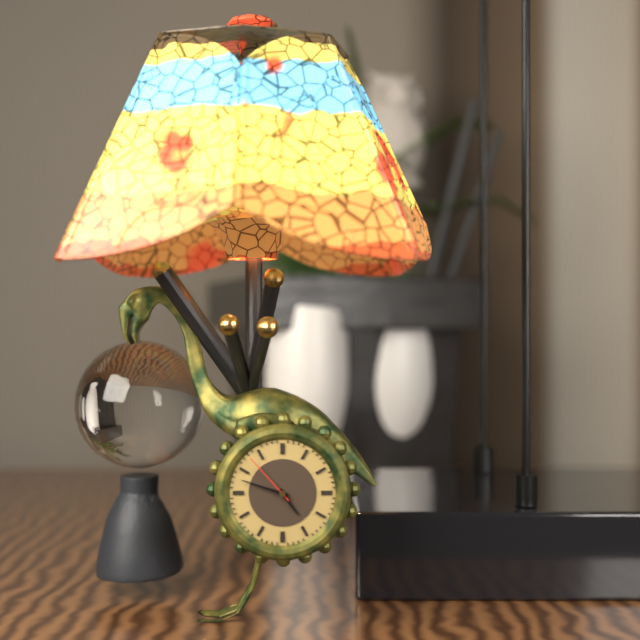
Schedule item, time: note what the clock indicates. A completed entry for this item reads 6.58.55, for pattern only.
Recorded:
4.48.53
